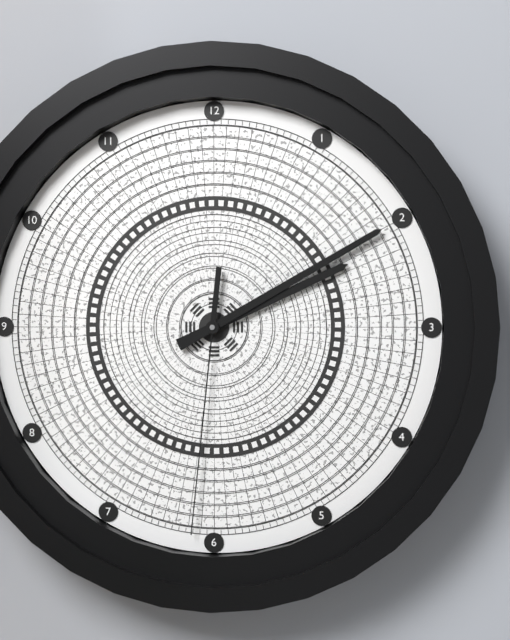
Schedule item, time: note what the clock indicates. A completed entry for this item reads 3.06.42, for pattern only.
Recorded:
2.10.31
